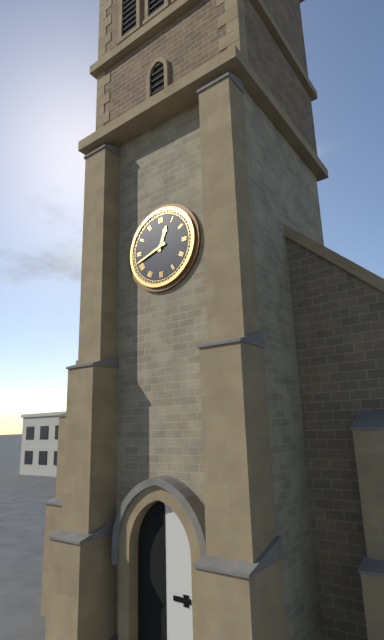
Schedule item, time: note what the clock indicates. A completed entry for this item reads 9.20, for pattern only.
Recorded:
12.42
